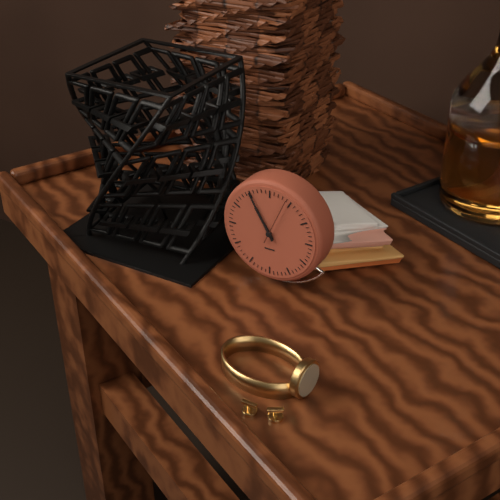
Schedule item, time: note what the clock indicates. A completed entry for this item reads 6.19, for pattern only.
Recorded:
10.55
